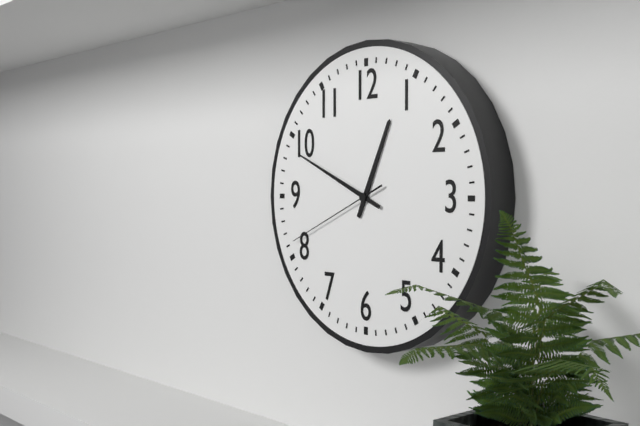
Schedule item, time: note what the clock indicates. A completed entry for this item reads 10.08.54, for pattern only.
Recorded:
12.49.41
